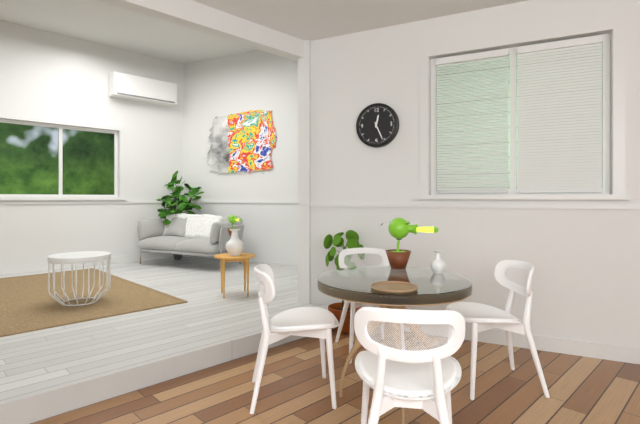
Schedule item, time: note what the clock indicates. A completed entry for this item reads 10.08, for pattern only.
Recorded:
12.26
